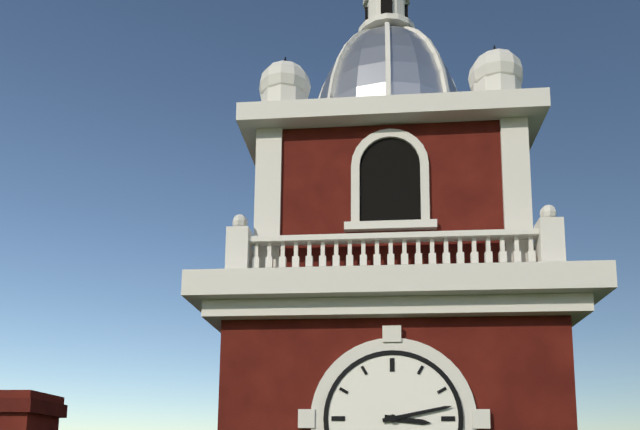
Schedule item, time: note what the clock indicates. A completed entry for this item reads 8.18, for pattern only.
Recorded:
3.13
